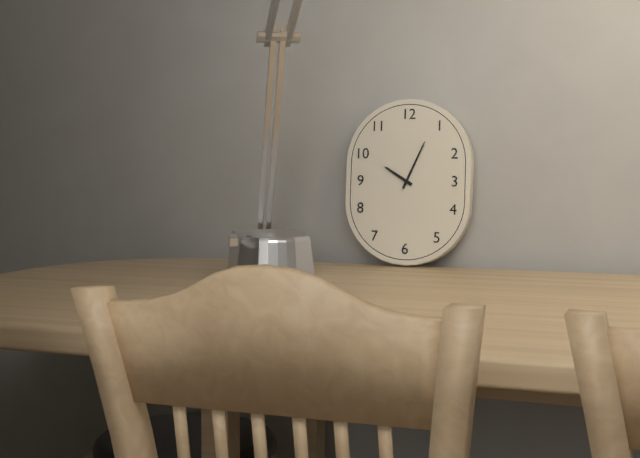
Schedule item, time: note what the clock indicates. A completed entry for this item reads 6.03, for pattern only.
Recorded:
10.04
